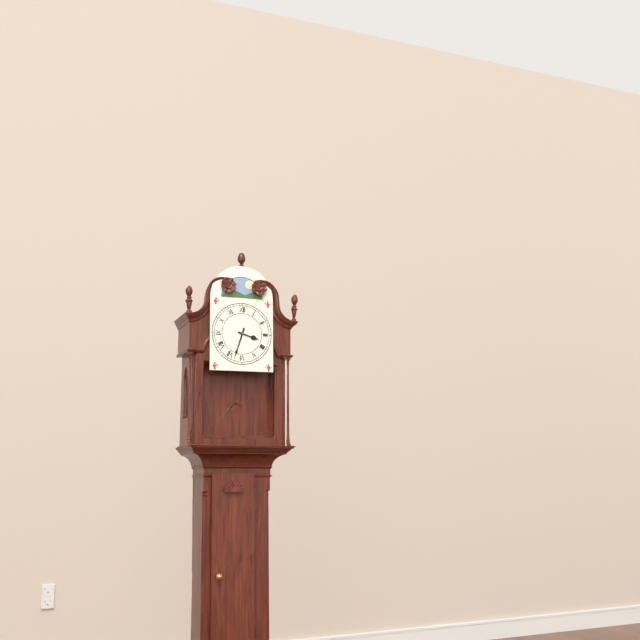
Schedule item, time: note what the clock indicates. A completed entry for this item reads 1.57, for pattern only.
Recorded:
3.33
